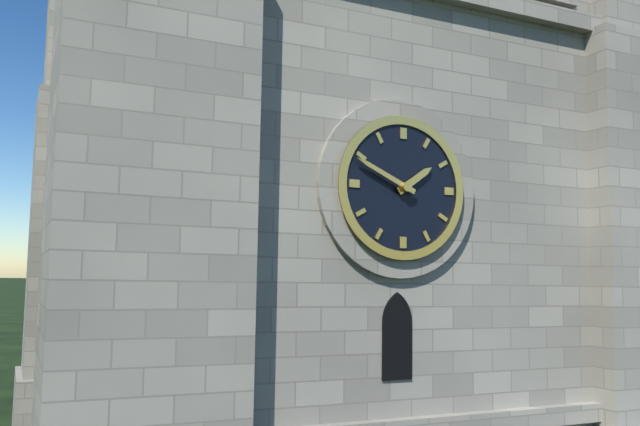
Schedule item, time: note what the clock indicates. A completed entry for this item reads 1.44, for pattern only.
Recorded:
1.49
